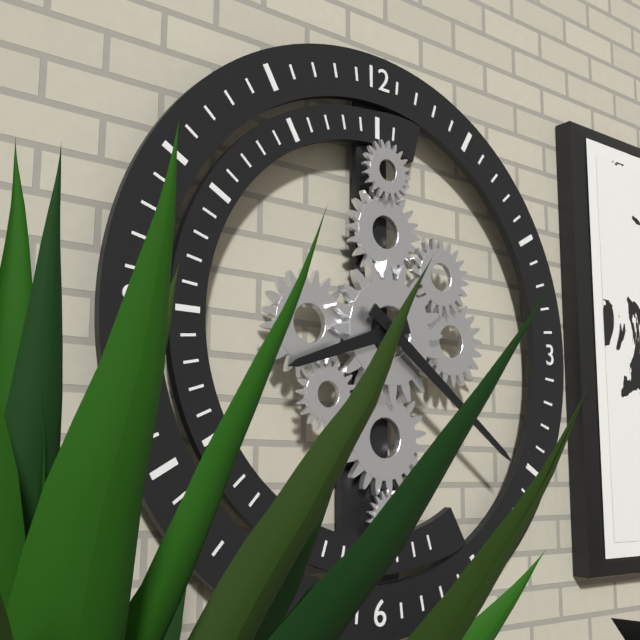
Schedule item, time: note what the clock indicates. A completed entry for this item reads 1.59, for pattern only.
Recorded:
8.21
